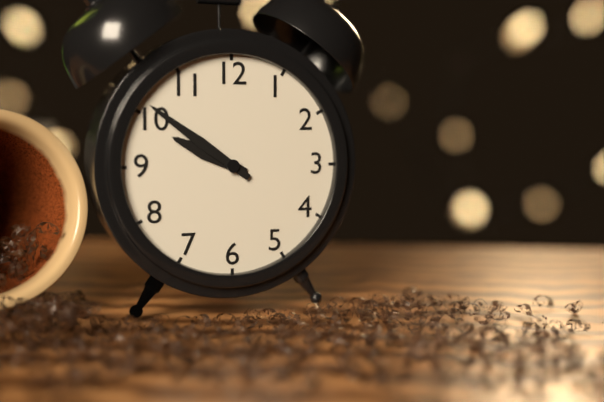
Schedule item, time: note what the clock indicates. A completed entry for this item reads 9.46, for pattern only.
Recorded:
9.51
